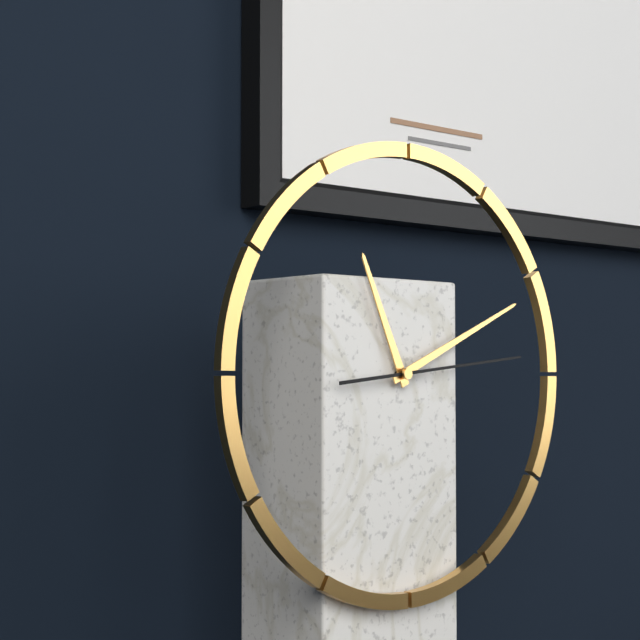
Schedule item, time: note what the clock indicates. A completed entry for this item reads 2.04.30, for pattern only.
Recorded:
11.11.14
